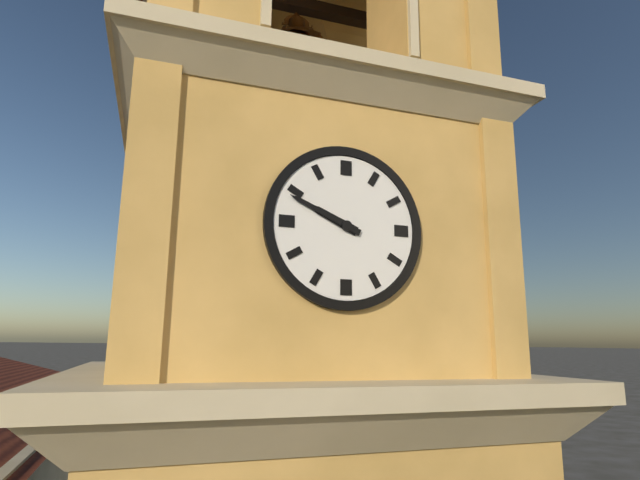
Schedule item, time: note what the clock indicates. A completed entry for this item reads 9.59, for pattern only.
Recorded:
9.49
